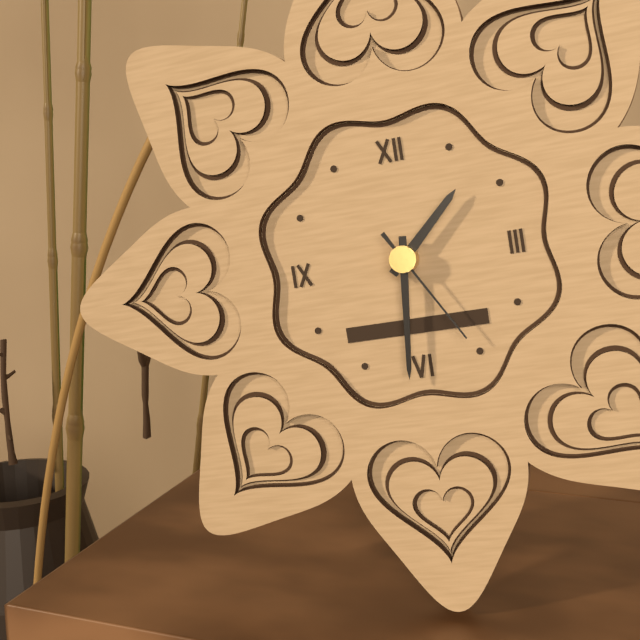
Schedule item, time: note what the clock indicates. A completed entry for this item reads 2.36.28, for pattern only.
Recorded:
1.31.25
